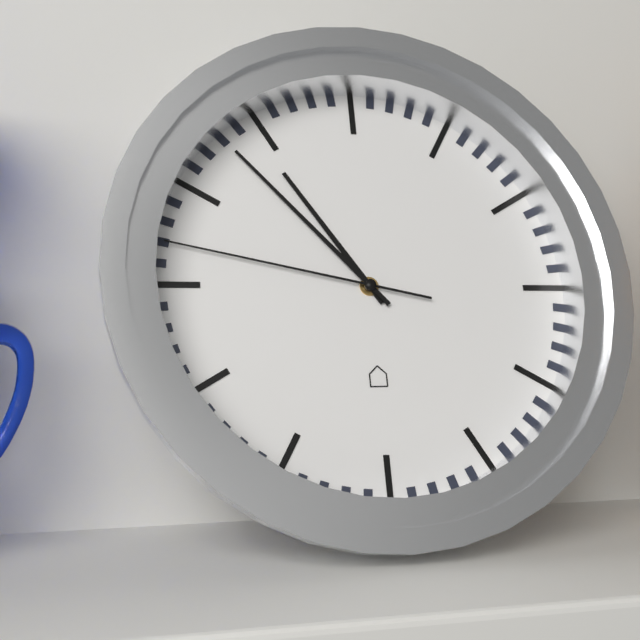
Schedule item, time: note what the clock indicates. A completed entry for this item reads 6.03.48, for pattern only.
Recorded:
10.53.47
